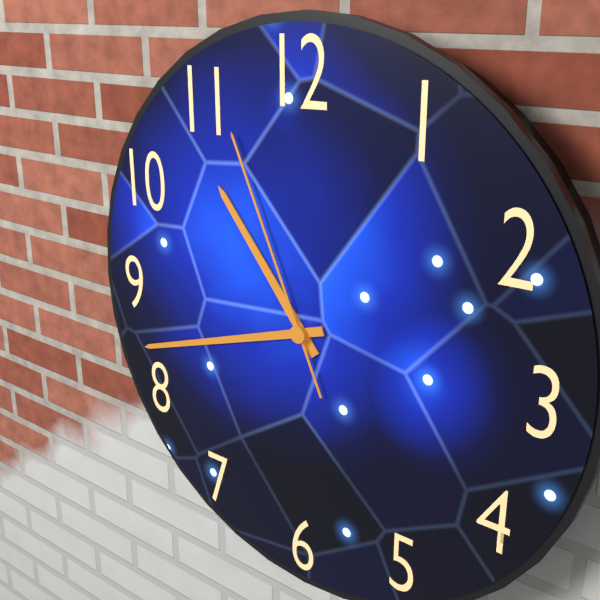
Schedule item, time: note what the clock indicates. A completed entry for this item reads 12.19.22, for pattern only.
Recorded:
10.42.56
